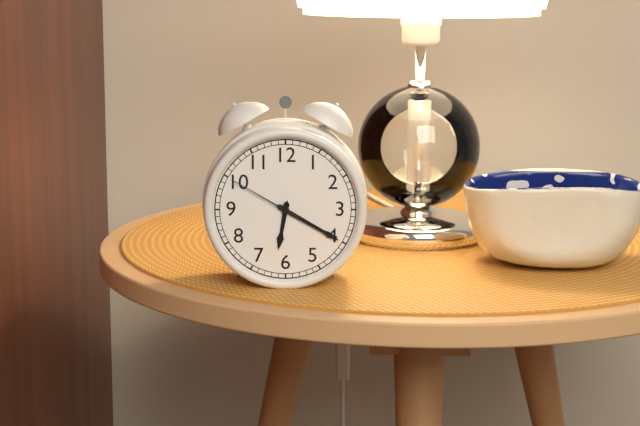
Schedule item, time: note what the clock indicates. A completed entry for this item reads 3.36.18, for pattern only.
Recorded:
6.20.50
